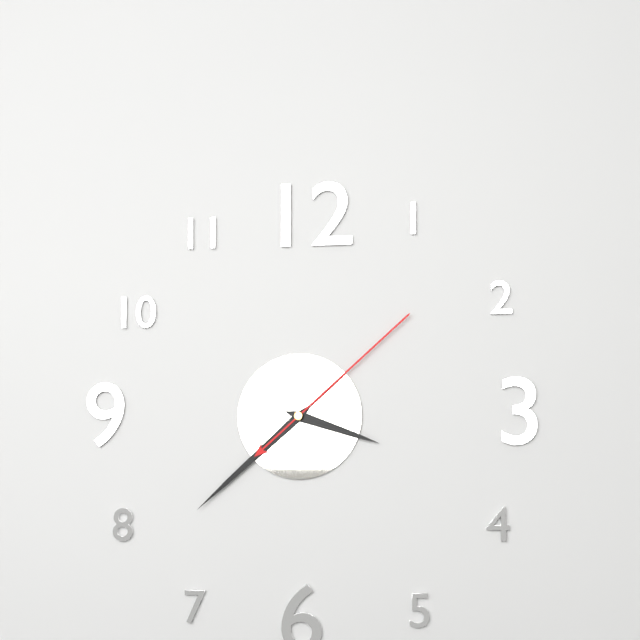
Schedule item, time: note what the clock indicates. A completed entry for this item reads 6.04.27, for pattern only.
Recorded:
3.38.08
